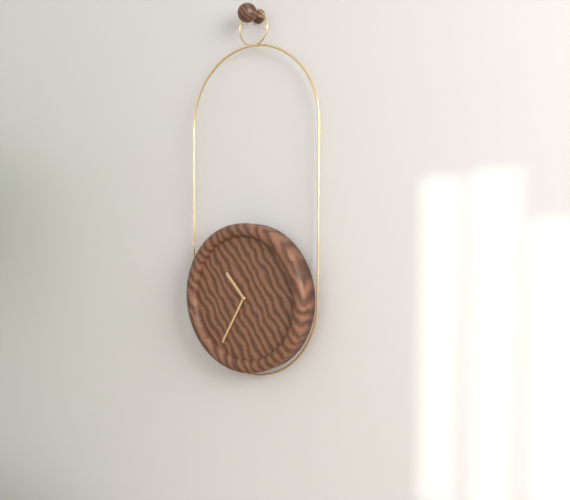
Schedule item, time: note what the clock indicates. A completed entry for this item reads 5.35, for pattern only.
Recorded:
10.35
